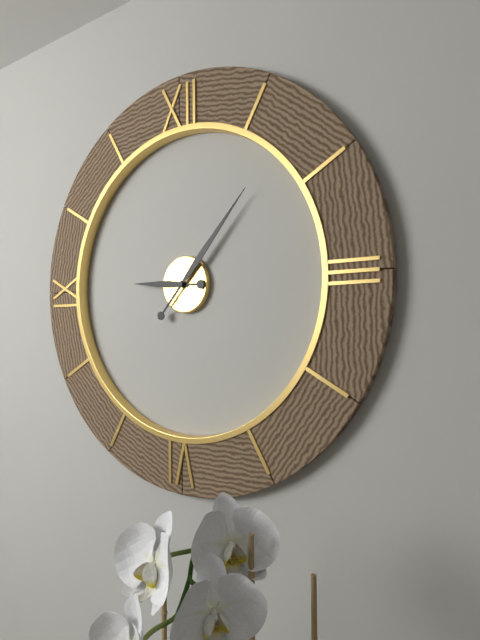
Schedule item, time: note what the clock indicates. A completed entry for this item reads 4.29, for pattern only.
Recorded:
9.07
